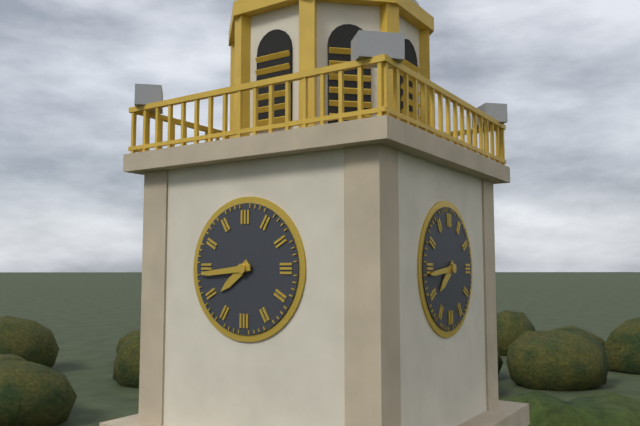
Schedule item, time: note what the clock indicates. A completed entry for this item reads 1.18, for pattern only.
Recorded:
7.44
